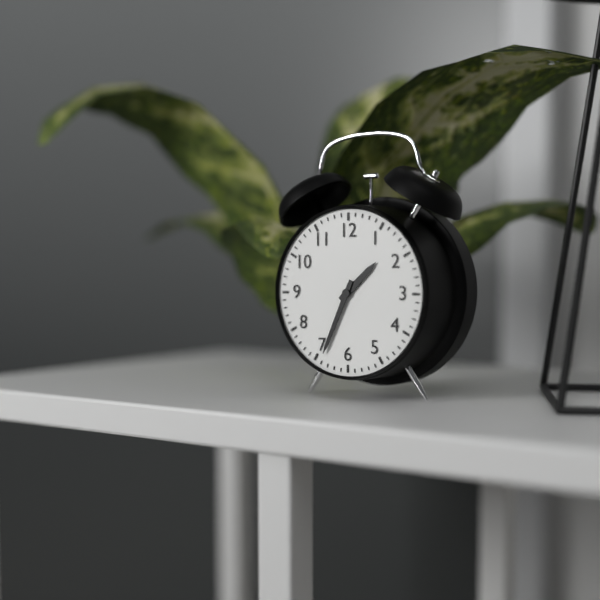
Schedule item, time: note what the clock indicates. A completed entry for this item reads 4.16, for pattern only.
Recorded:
1.34
